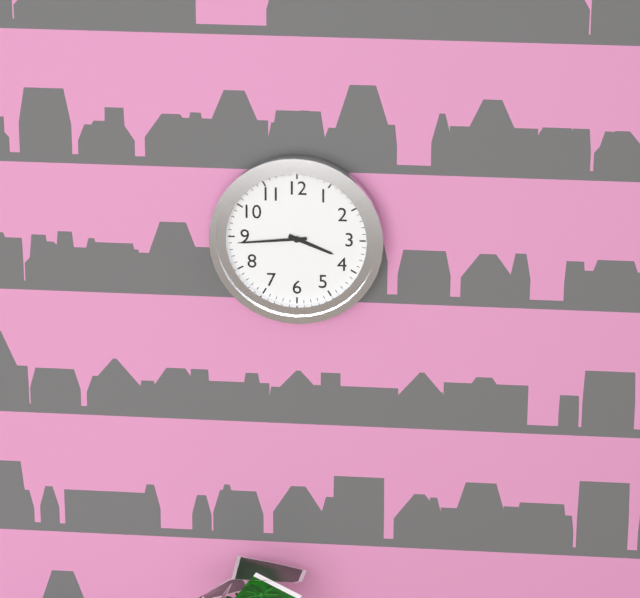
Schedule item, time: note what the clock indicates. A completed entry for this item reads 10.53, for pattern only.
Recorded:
3.44
